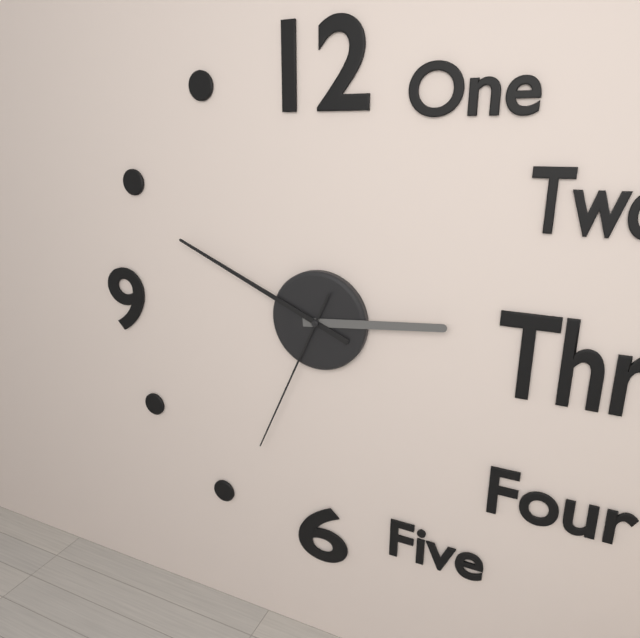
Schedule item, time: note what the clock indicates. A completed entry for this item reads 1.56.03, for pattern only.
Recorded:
2.49.34
